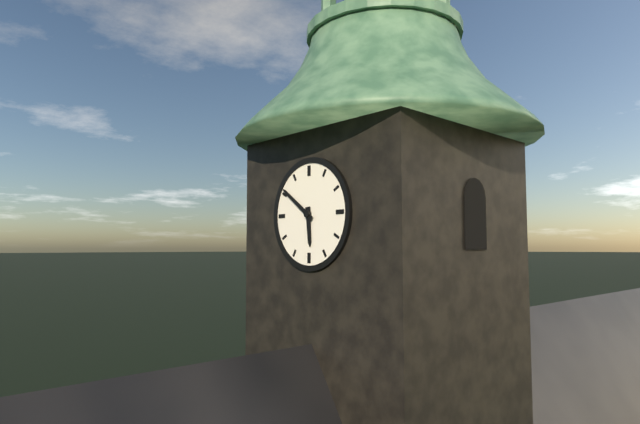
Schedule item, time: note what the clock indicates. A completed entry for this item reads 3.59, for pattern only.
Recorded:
5.51
